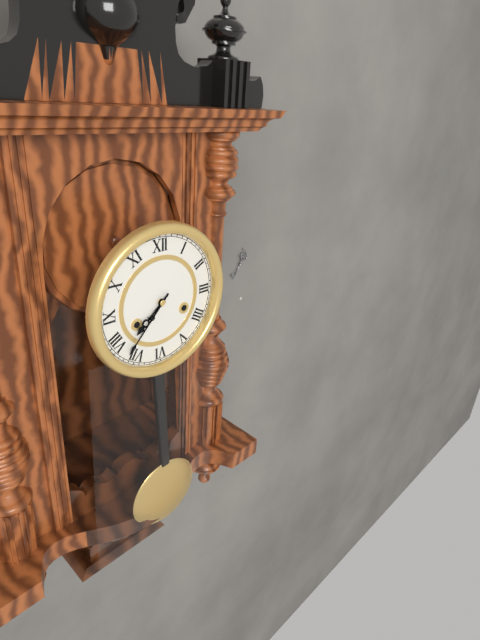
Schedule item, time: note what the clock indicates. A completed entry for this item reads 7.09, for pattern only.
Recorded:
7.37
